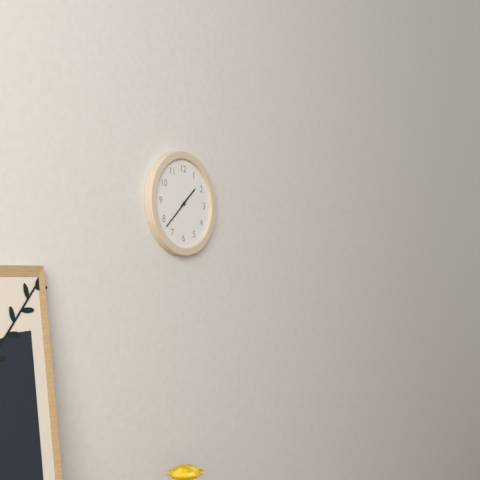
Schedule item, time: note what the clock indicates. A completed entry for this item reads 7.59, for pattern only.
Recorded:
1.38
